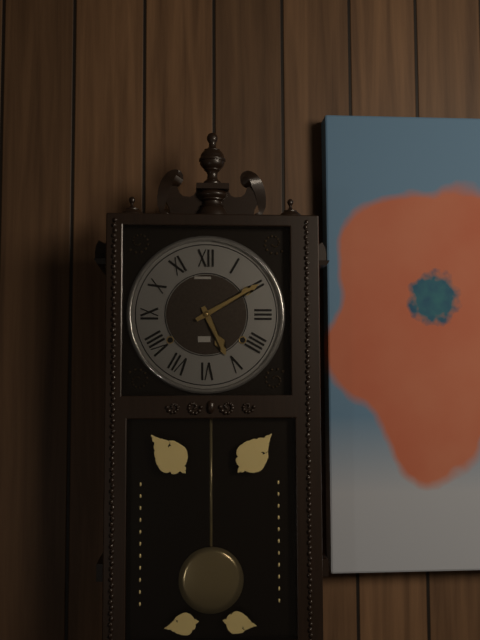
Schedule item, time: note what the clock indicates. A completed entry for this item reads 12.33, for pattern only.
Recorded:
5.10
